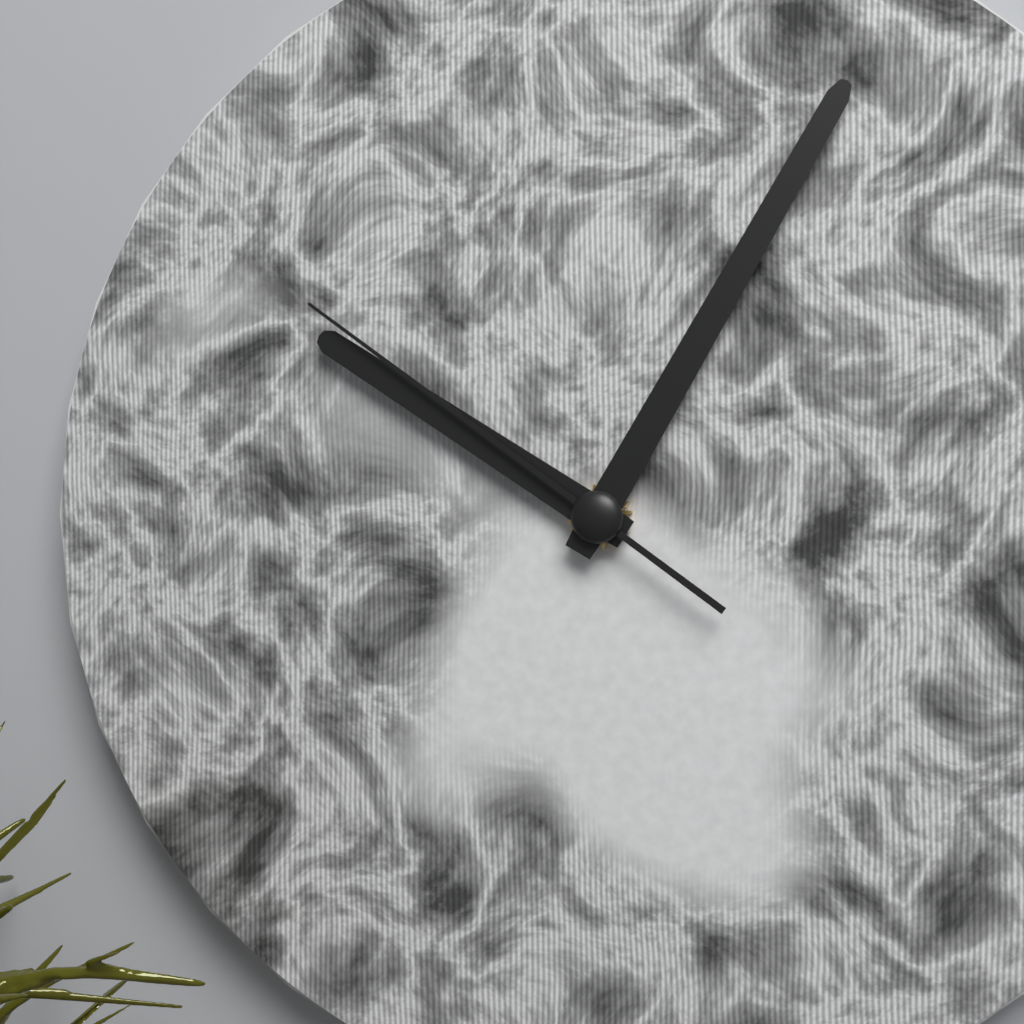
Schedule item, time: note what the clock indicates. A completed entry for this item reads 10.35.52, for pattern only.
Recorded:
10.05.51
